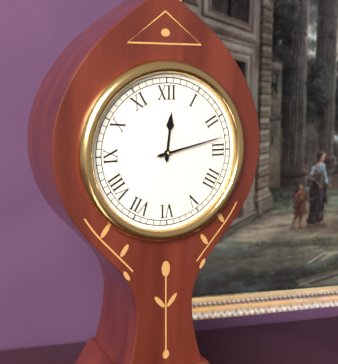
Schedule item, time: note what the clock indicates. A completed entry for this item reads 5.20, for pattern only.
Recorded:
12.13
